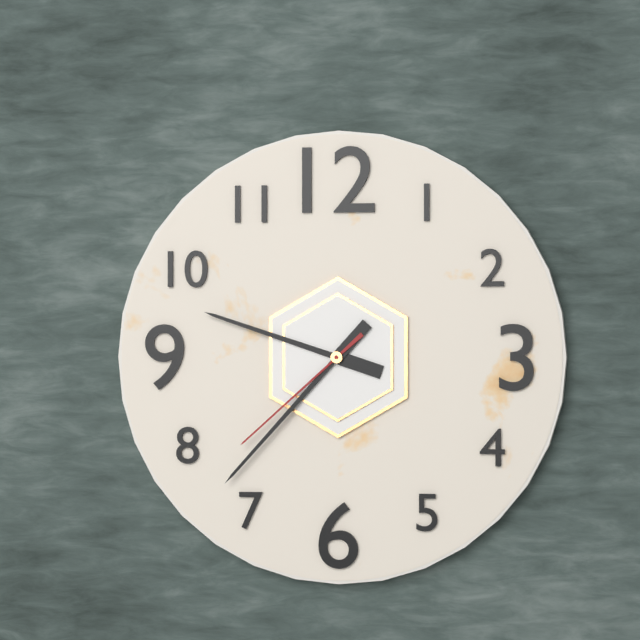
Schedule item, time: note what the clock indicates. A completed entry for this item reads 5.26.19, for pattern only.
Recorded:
9.37.38
